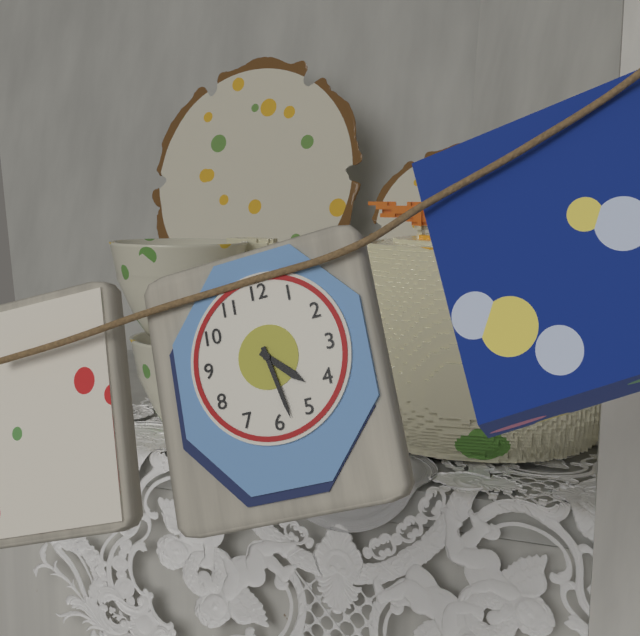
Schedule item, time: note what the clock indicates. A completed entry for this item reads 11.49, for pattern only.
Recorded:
4.28
